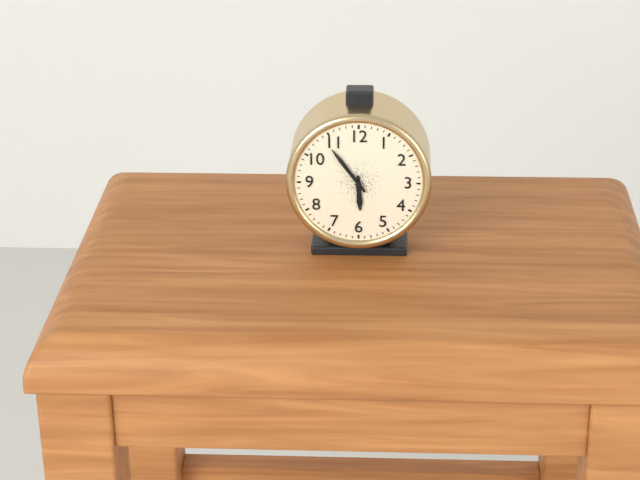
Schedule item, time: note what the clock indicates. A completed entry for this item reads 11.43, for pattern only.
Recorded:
5.54
